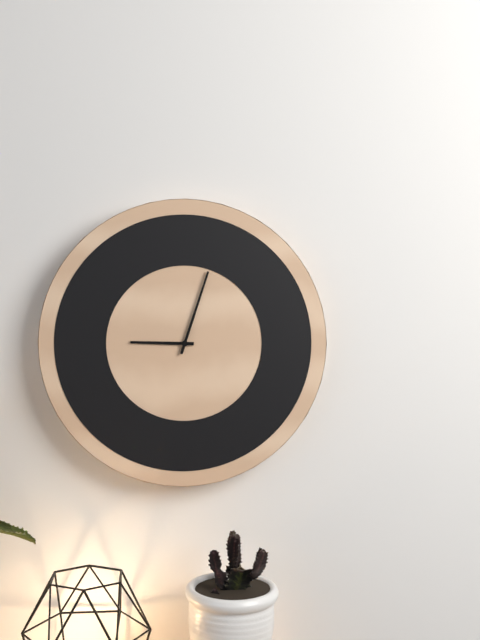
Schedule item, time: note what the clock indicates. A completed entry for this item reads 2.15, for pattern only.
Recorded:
9.03
